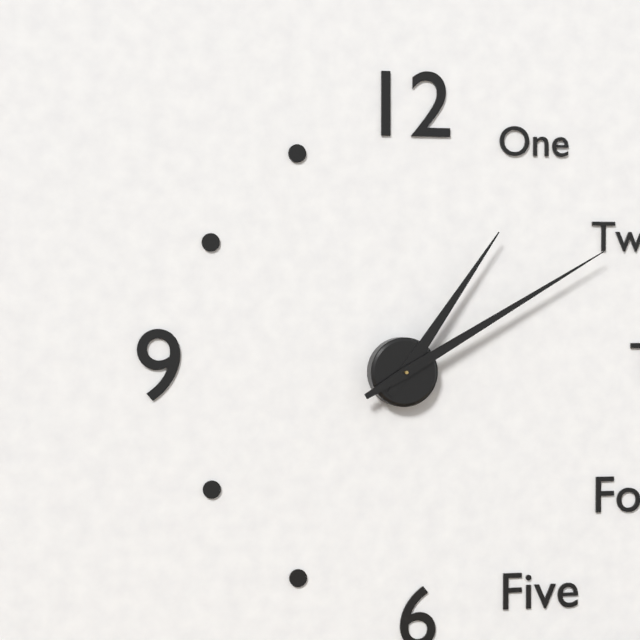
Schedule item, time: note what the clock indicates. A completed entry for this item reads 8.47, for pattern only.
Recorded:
1.10
